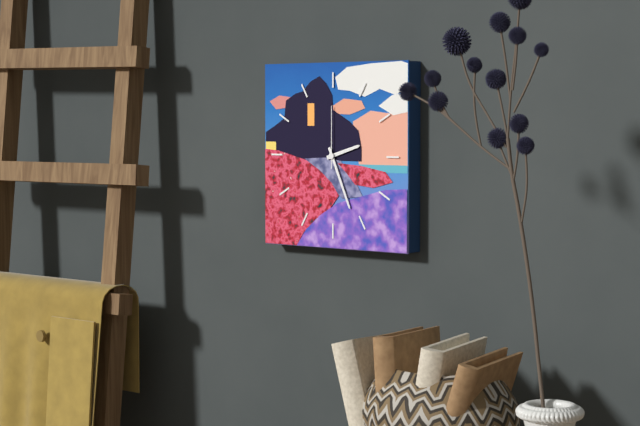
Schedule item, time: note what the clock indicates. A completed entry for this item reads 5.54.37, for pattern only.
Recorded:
2.26.00
